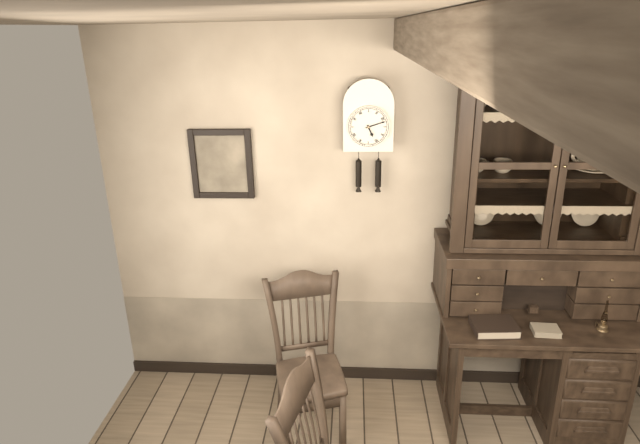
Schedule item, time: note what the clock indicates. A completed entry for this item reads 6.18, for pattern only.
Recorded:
5.12
